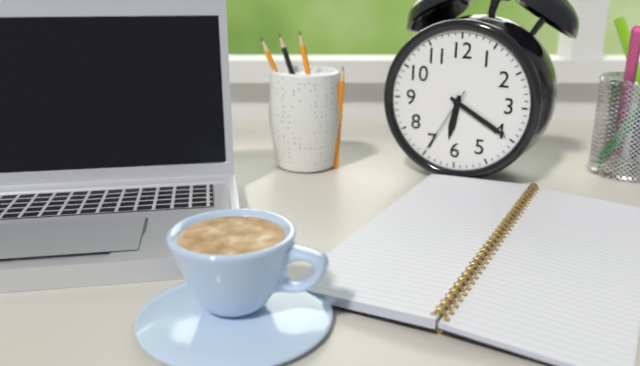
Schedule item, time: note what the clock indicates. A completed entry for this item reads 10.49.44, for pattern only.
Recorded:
6.20.35
